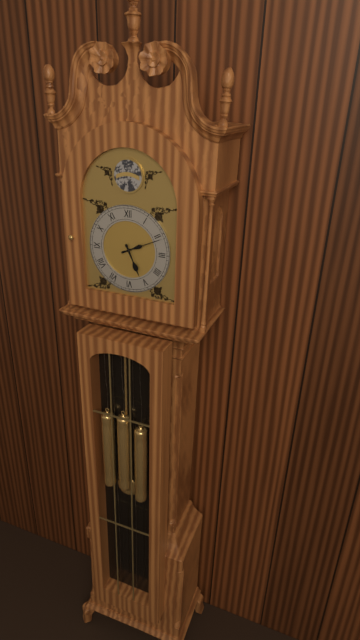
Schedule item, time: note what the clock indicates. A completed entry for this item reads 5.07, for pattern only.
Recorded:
5.11
